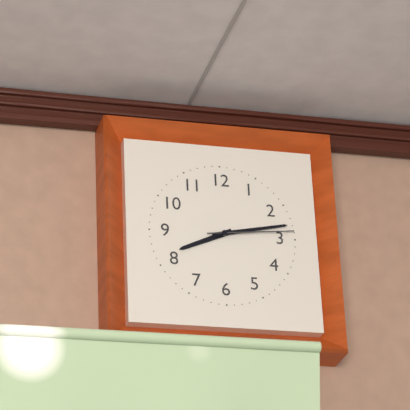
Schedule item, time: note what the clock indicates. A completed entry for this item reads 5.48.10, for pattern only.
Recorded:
8.13.14
